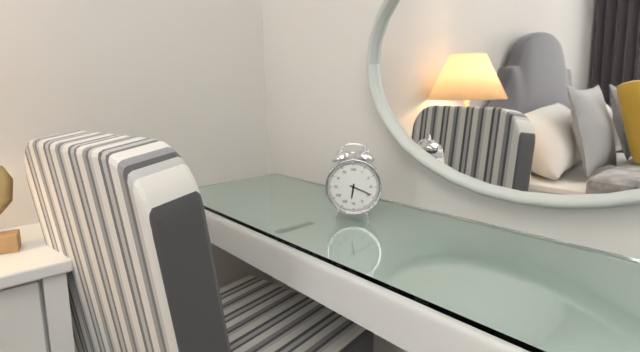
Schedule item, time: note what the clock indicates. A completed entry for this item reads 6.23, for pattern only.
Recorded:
6.19
